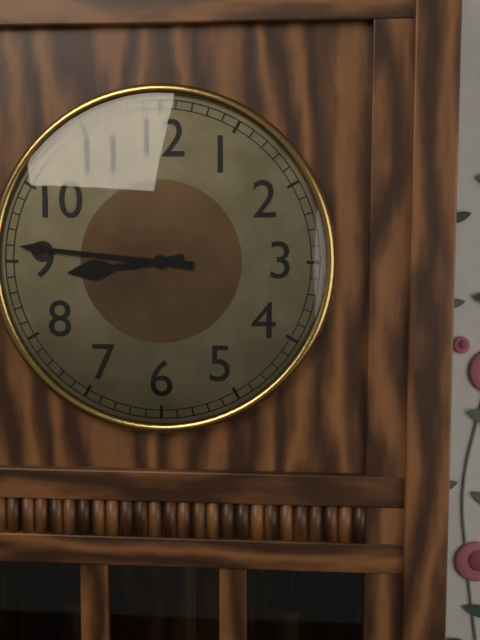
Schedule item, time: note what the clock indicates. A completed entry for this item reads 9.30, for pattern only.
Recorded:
8.46
